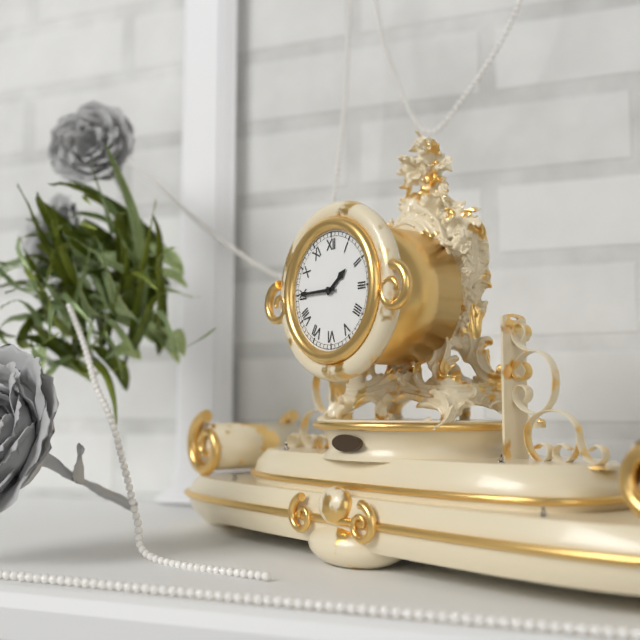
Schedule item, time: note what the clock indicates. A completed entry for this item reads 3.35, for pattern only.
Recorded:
1.45
